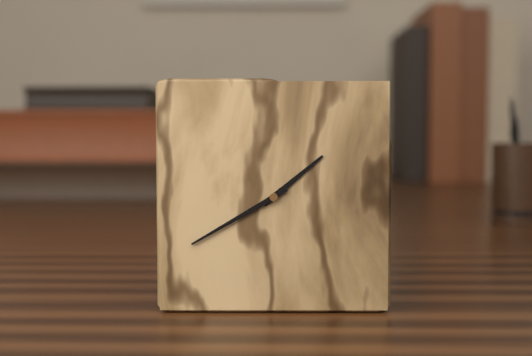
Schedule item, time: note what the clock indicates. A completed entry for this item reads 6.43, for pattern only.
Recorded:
1.40
